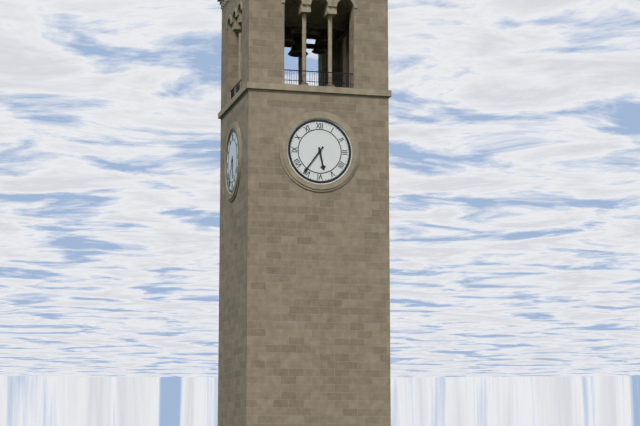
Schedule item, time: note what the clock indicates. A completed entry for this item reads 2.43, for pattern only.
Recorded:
5.36
